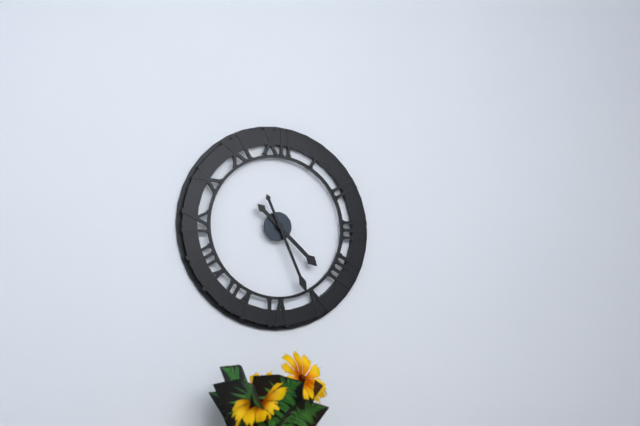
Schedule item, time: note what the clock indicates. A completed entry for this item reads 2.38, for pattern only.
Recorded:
4.26
